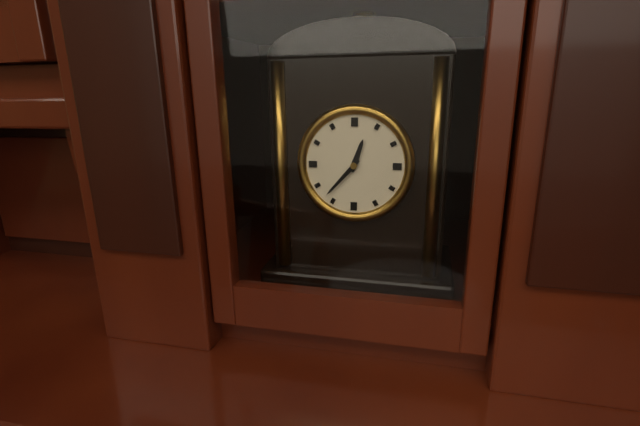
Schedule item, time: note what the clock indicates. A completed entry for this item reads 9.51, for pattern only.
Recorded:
12.37
